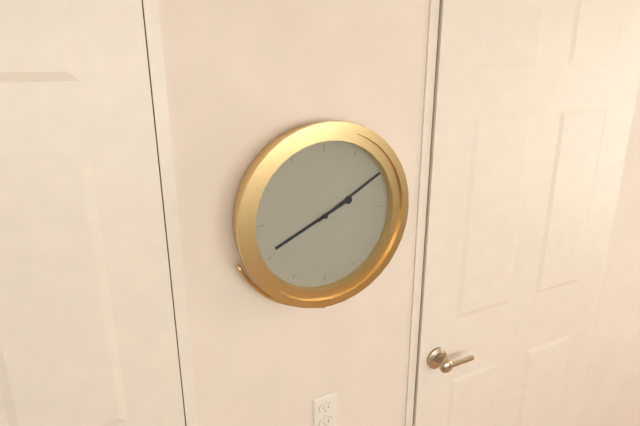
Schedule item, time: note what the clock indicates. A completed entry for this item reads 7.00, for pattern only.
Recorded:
8.10
